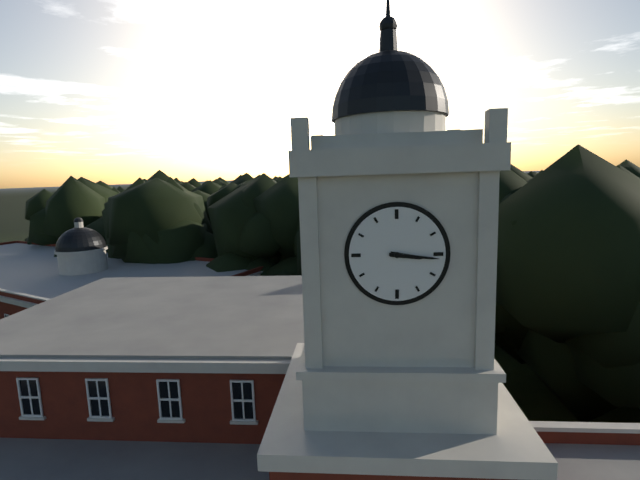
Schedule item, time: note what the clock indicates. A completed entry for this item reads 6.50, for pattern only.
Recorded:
3.16
